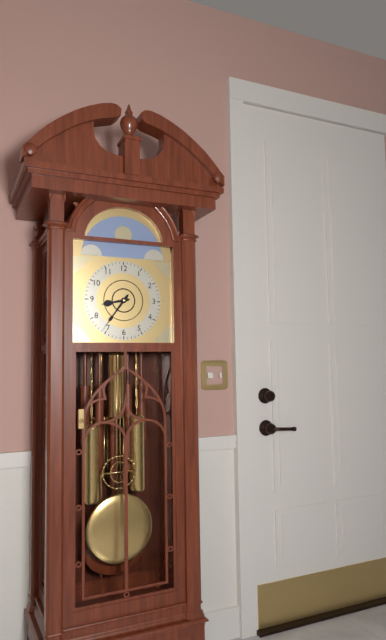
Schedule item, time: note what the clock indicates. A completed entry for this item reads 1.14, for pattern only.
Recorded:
8.36
